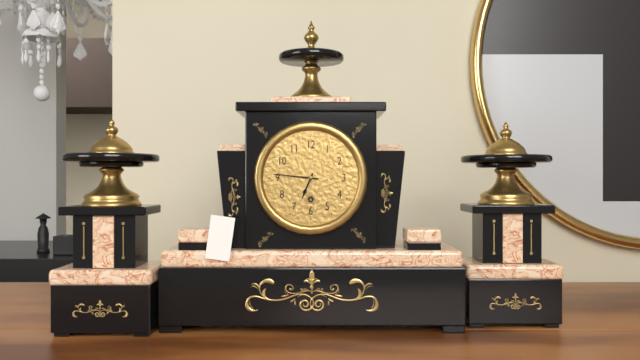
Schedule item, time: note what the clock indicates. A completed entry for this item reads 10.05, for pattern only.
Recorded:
6.46
